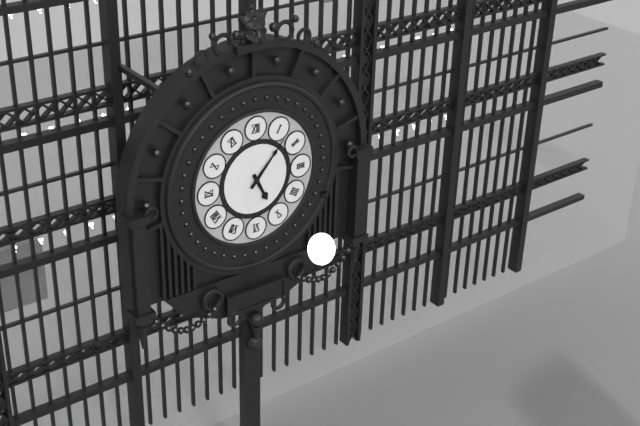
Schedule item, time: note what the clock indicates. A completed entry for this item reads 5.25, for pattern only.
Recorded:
5.07
